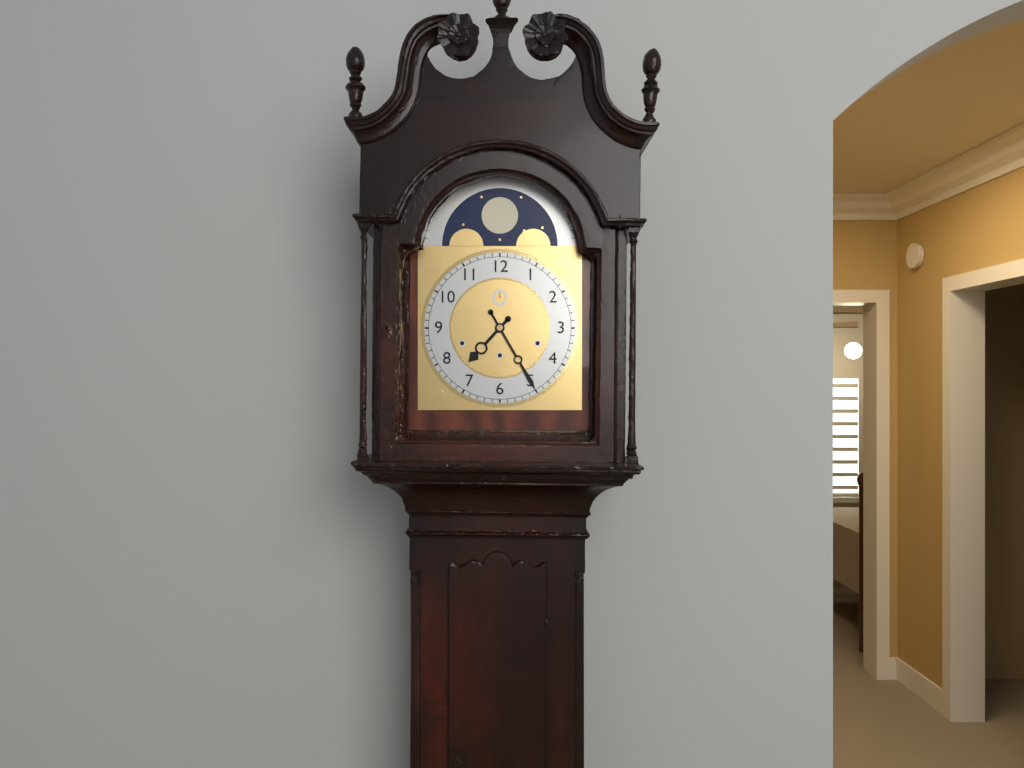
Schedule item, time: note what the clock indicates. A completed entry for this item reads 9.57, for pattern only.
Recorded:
7.25
